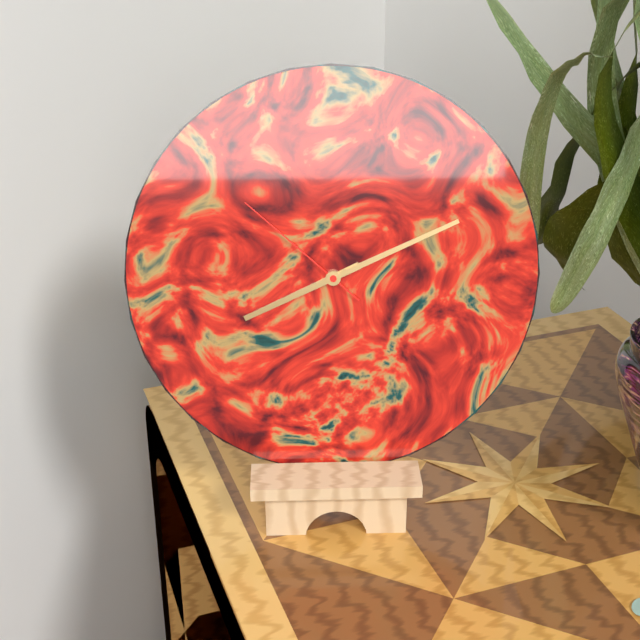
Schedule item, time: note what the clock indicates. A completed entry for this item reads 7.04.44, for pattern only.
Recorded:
8.11.52
